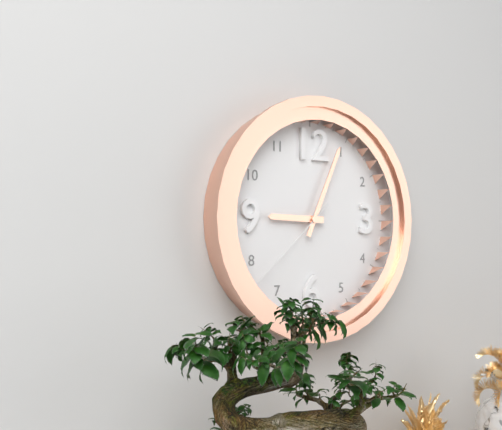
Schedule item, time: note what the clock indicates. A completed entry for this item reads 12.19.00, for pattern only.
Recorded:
9.04.38
